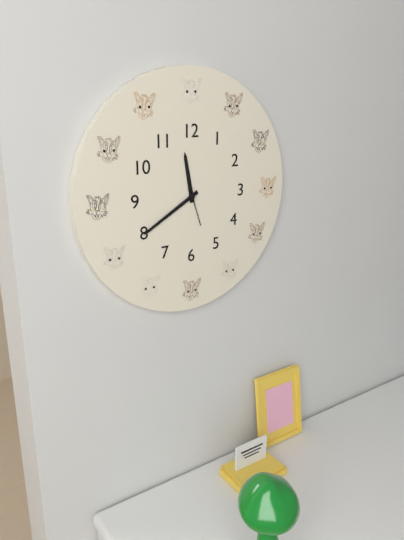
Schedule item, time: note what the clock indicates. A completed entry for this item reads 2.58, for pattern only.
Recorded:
11.40
